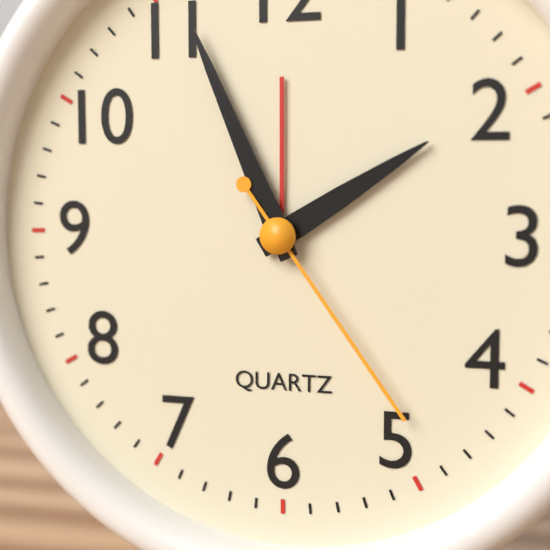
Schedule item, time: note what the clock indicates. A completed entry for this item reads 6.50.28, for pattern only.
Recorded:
1.56.24
